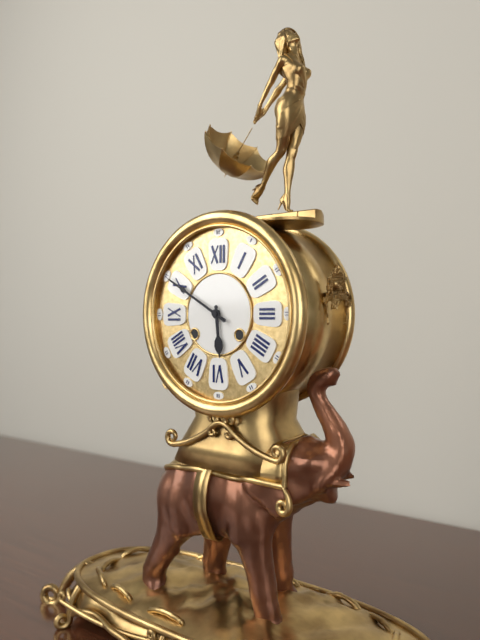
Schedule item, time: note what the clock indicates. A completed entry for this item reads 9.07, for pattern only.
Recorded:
5.50
